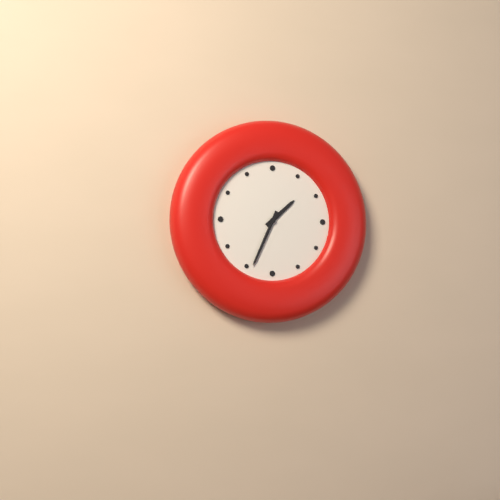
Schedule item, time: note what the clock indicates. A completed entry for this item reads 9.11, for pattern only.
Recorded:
1.34
